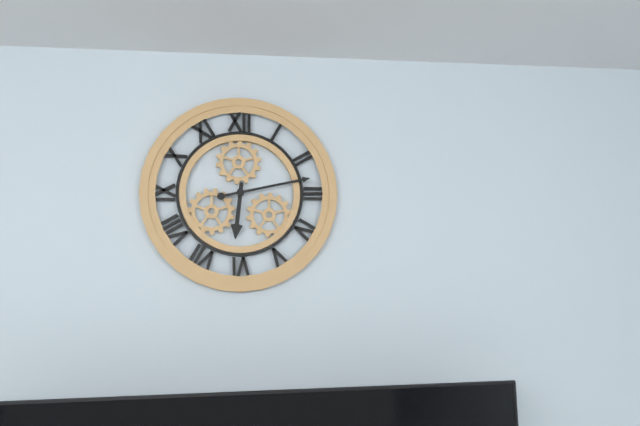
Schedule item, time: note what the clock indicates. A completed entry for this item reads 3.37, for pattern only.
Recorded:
6.13
